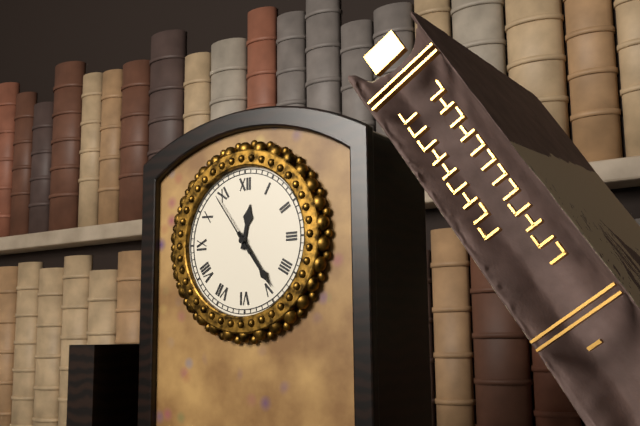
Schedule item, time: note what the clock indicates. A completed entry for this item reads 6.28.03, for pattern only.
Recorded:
12.24.54
